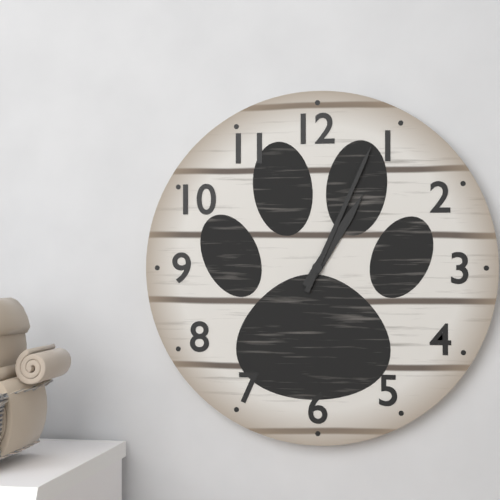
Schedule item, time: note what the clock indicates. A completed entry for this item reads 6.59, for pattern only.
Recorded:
1.04
